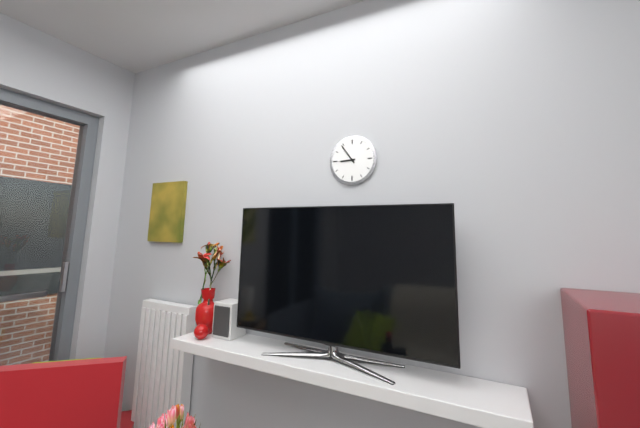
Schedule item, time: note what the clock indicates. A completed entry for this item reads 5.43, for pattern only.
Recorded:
8.54
